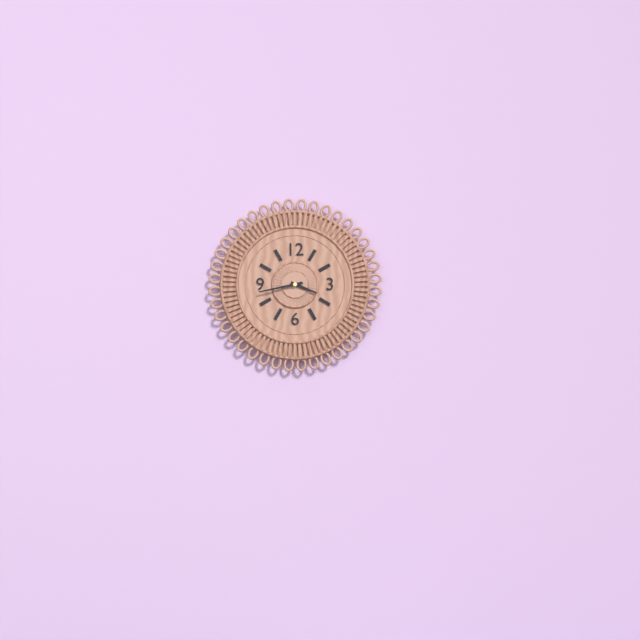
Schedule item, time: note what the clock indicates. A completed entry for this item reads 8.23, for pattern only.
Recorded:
3.43
